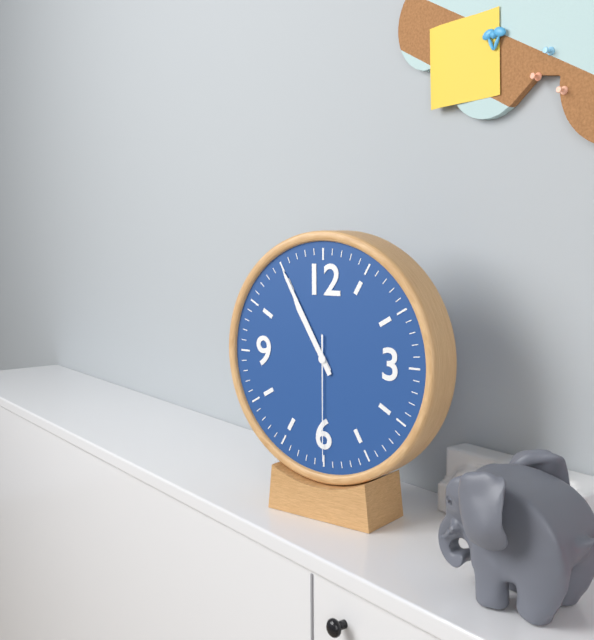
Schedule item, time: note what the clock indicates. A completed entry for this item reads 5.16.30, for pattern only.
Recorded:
10.55.30
